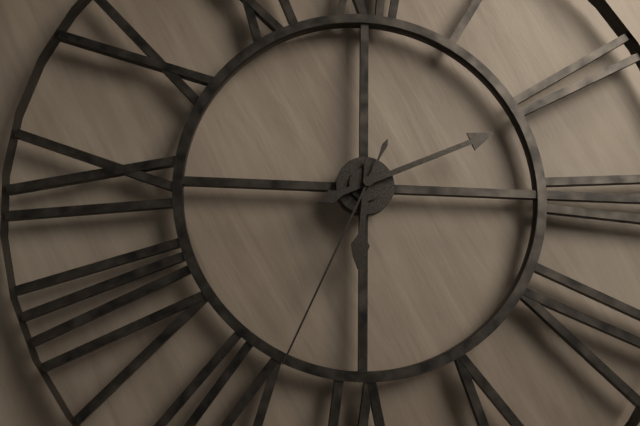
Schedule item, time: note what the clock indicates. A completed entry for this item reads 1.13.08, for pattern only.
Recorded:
6.11.34
